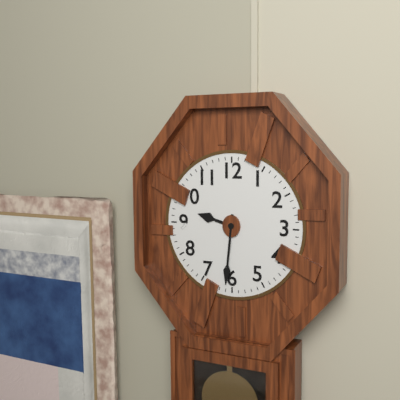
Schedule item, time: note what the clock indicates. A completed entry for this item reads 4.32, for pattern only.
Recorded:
9.31
